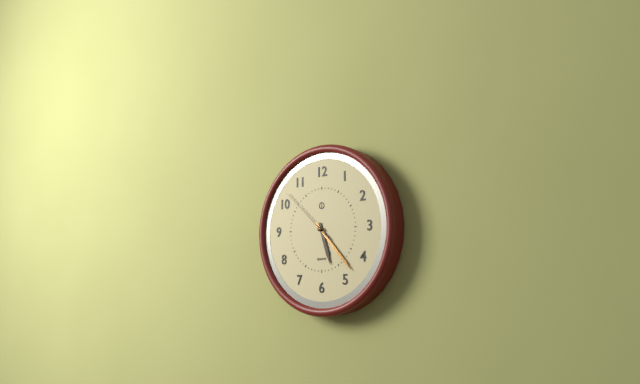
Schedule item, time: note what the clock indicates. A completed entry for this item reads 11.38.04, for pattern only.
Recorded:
5.23.52
